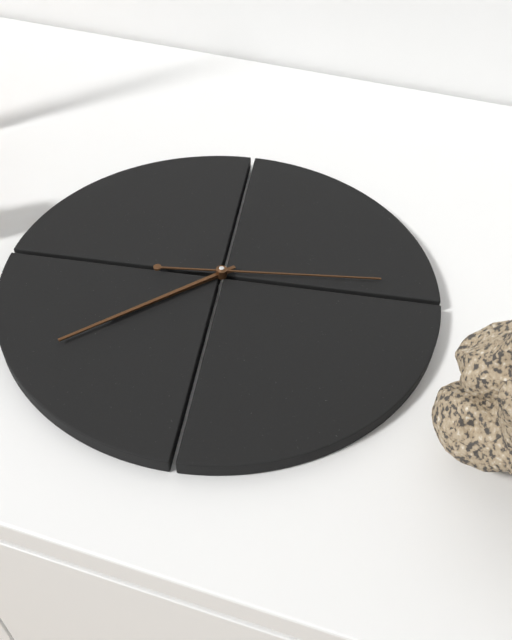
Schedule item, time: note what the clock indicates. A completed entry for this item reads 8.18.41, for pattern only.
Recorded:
7.38.14
